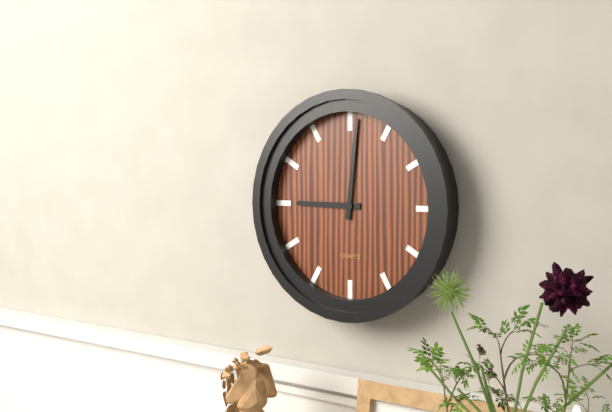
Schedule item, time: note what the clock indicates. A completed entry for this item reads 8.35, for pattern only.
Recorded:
9.01
